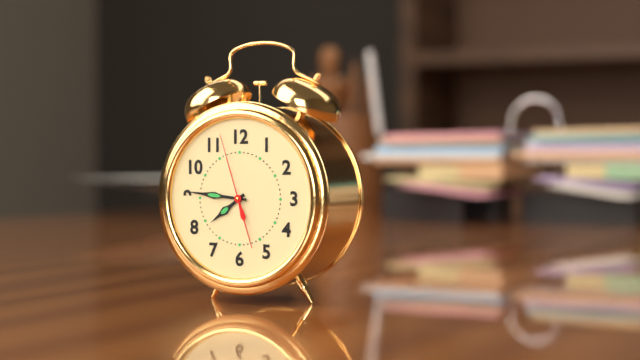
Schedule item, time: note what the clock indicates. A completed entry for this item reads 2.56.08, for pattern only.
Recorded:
7.46.57
